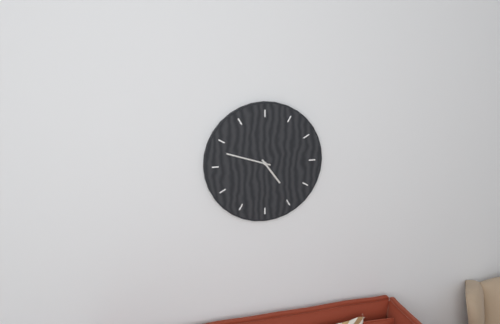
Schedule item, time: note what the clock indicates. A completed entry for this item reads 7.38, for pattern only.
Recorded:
4.48
